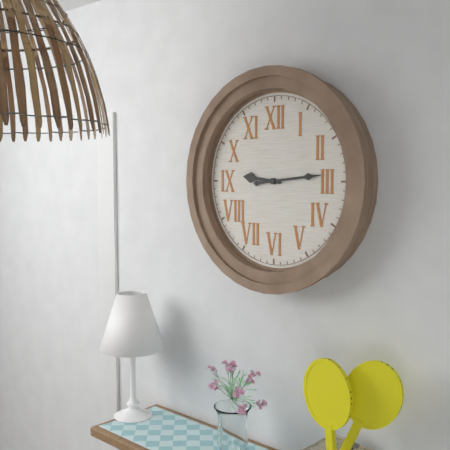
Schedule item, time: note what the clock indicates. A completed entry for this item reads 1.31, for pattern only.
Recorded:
9.14
